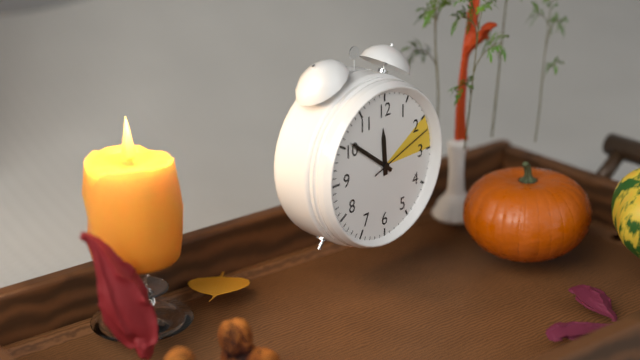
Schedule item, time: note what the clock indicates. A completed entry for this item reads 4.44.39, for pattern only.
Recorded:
11.51.12
